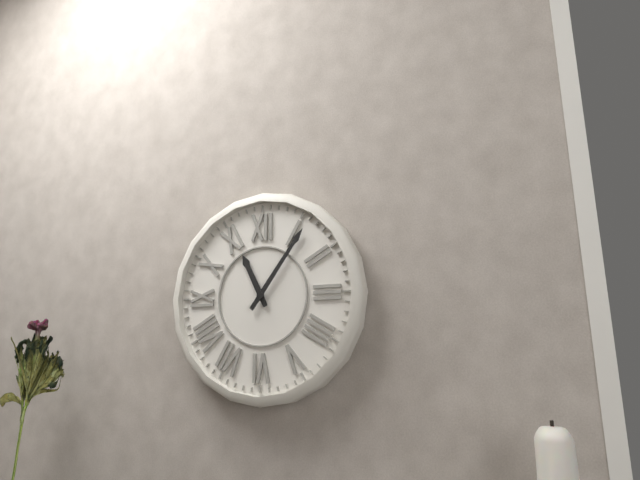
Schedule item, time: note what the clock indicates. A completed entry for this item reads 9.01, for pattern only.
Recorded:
11.06
